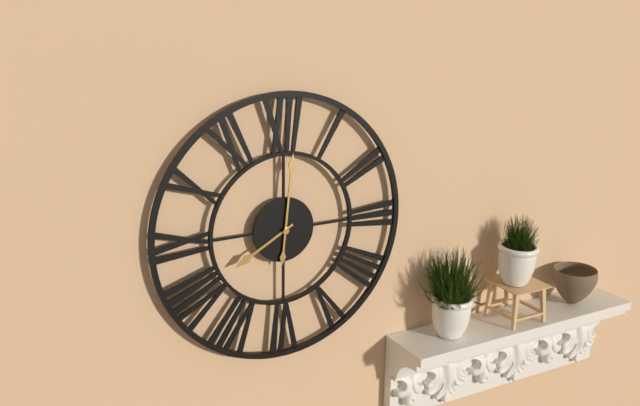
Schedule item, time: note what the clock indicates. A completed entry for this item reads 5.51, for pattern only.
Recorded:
8.01
